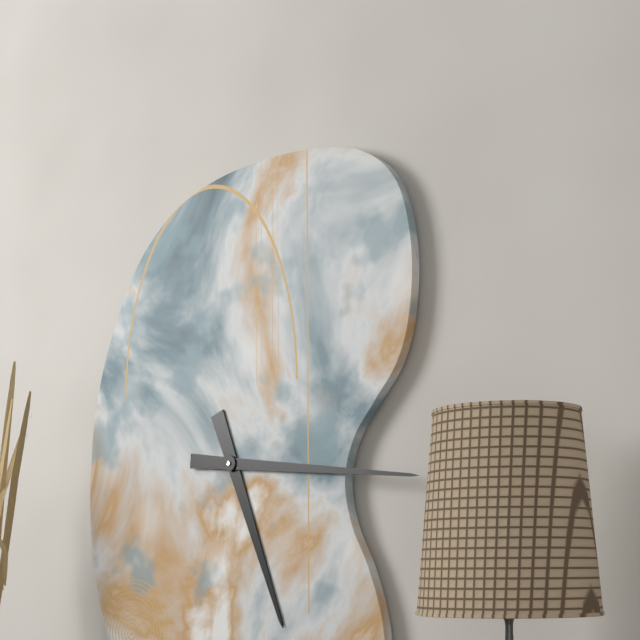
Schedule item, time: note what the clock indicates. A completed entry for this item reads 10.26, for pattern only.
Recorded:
5.16
